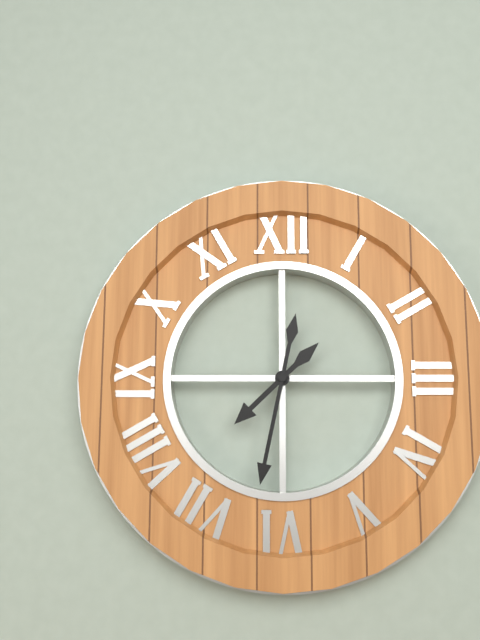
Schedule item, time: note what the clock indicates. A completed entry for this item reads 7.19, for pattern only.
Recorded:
7.32
